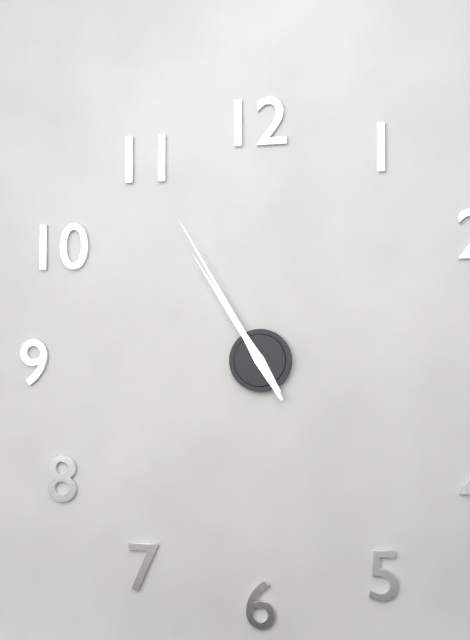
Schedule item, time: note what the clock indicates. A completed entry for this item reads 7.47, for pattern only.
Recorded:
10.55
